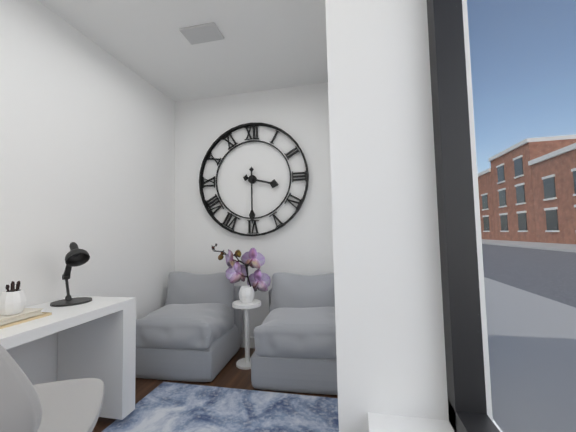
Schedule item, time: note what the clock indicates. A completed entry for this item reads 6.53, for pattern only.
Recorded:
3.30
